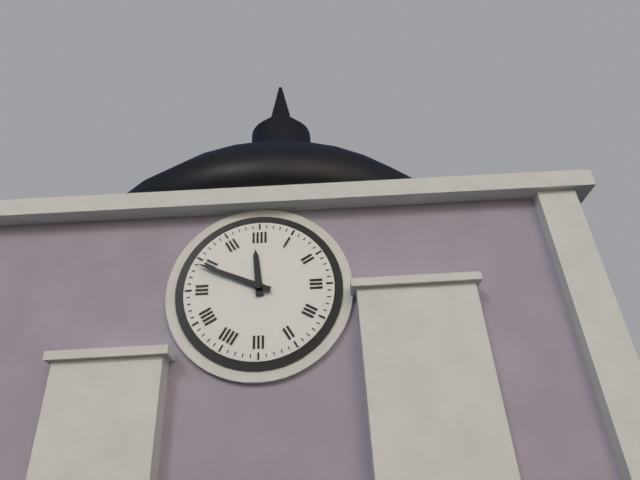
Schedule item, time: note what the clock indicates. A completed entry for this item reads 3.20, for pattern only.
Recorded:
11.49
